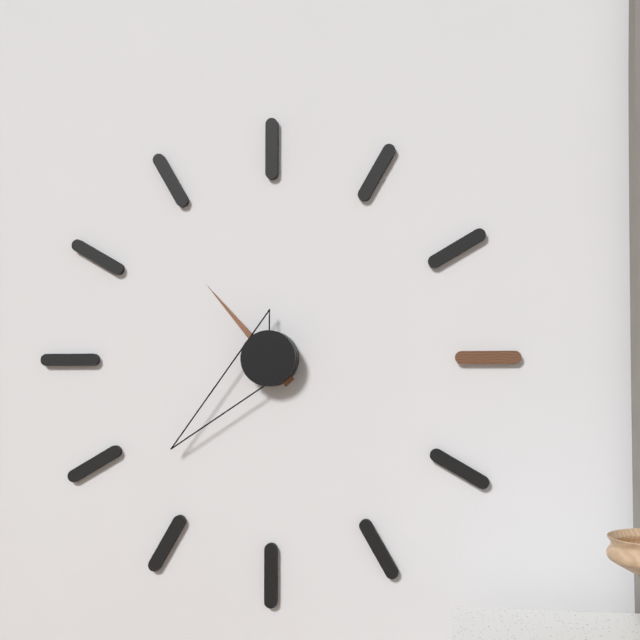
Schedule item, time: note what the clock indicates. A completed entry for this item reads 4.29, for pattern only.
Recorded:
10.38
